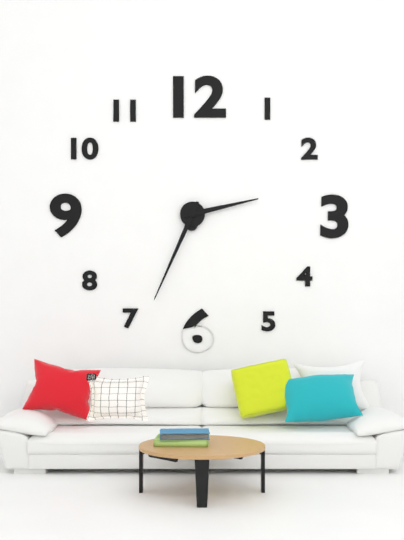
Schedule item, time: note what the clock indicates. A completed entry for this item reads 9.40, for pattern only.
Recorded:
2.34
